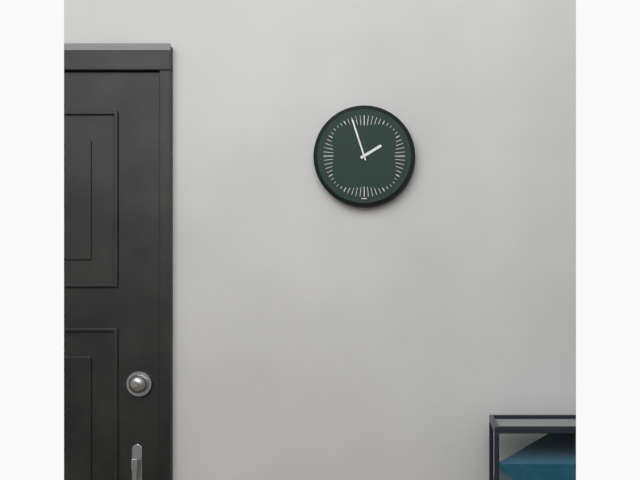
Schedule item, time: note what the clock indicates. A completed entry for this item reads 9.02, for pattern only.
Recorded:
1.57
